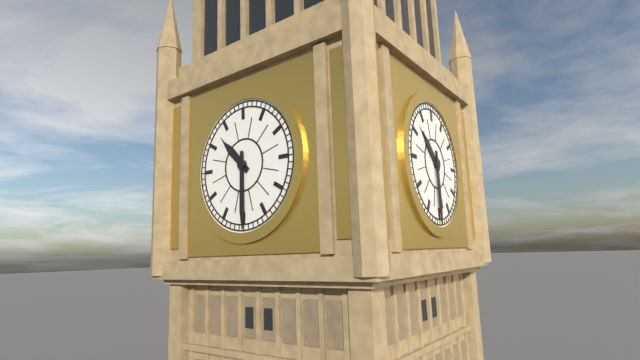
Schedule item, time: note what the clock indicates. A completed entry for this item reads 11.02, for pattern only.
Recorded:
10.30
